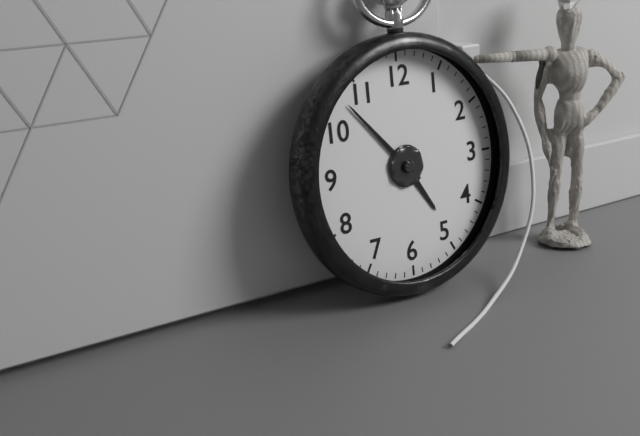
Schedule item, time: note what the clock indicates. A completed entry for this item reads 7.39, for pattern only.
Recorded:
4.53
